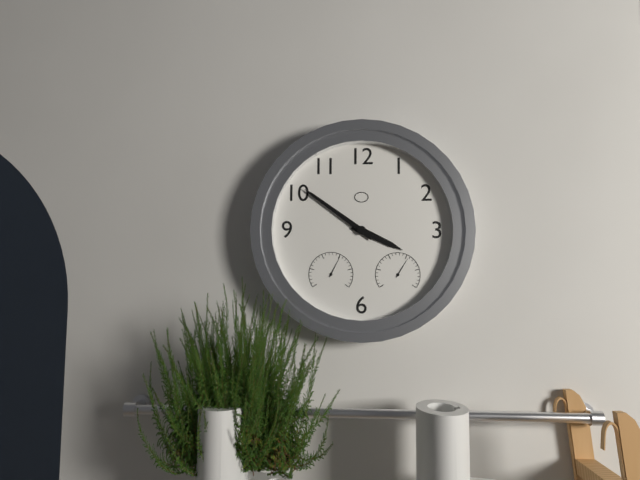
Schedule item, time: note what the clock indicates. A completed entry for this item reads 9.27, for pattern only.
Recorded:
3.51
